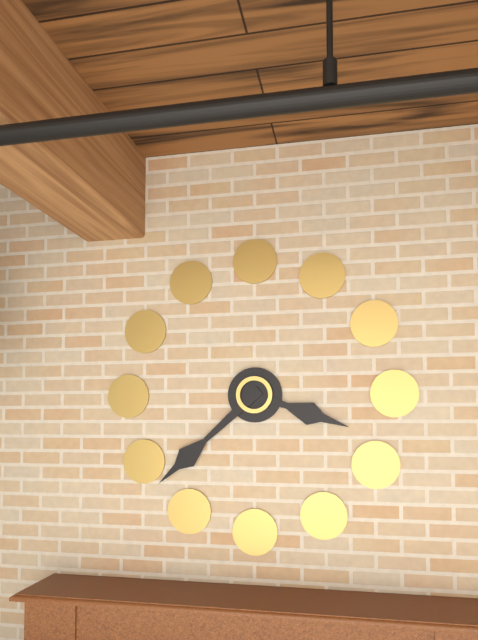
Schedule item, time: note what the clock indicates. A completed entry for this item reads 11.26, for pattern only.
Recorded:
3.38
